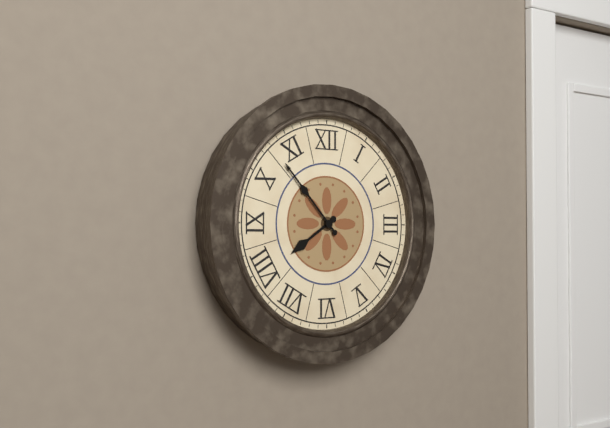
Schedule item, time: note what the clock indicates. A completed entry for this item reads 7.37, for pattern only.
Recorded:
7.53
